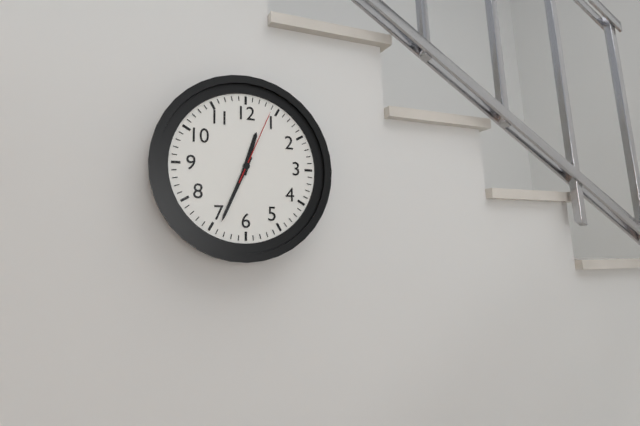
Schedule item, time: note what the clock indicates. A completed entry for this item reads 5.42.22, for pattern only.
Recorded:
12.34.04
